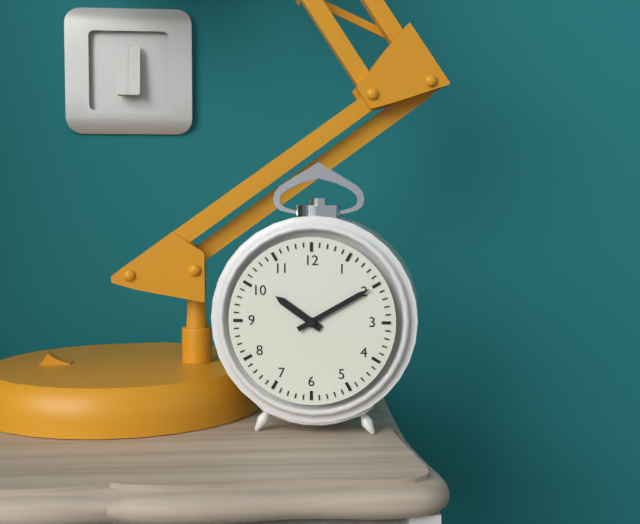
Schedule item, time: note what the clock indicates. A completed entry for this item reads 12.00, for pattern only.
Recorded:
10.10
